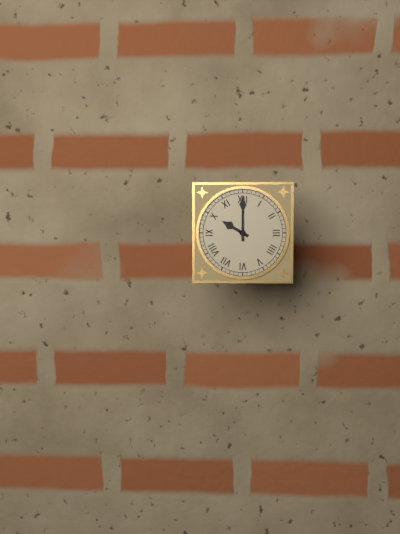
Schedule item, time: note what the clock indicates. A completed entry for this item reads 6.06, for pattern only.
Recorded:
10.00
